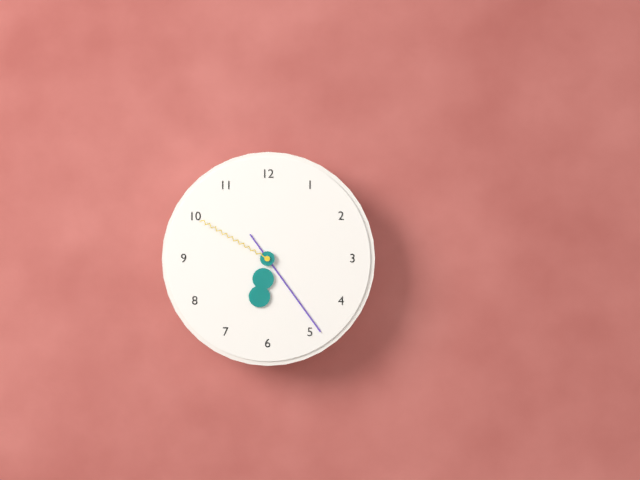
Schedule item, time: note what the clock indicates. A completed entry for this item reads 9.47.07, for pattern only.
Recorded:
6.24.50
